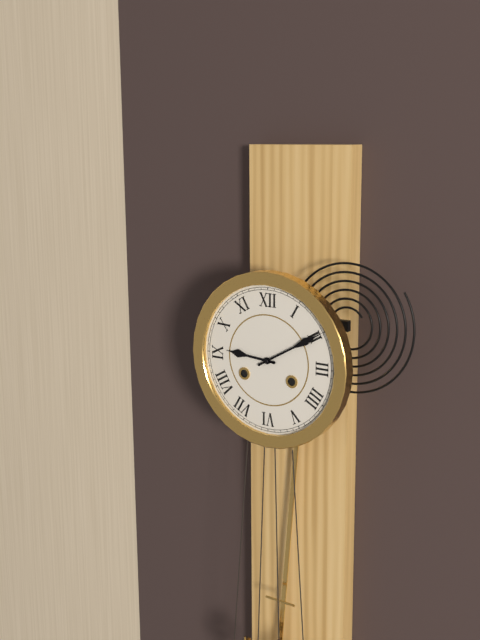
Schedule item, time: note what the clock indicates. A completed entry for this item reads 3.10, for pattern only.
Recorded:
9.10
